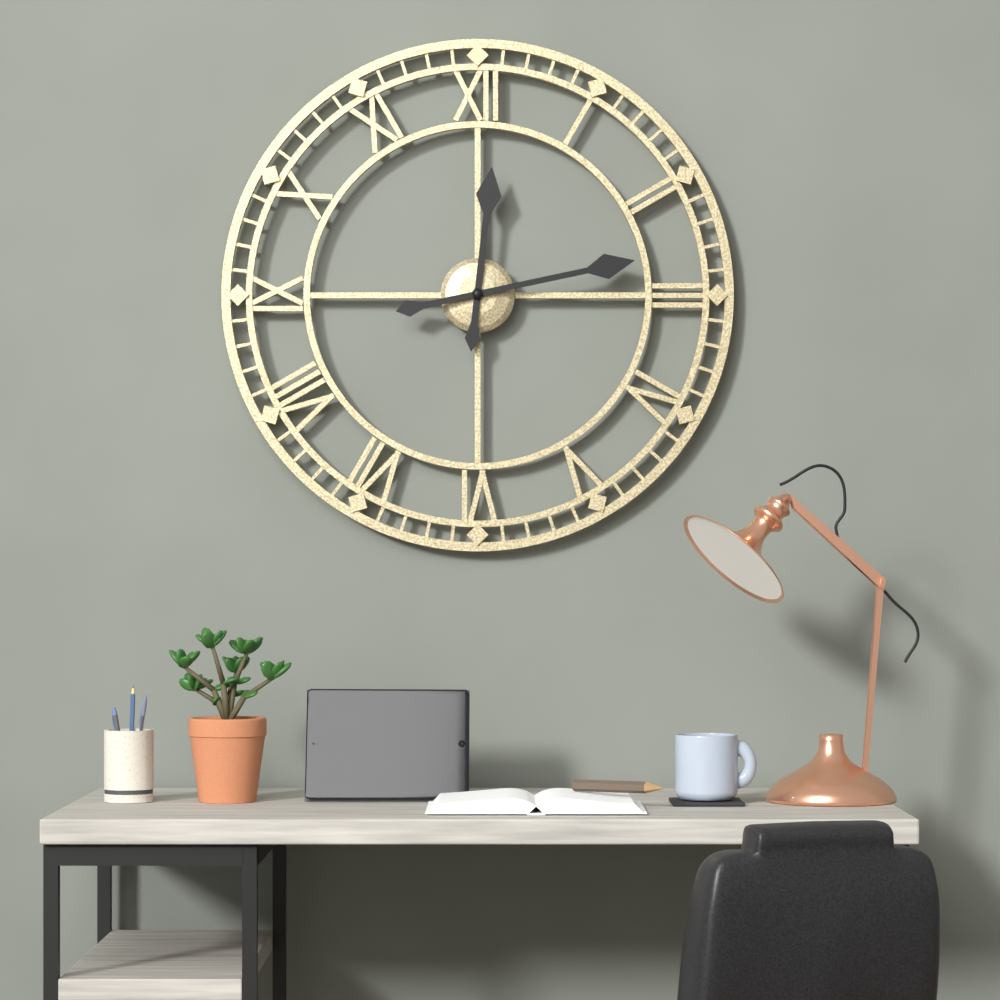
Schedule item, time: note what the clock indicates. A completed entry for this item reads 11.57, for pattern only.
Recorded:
12.13
